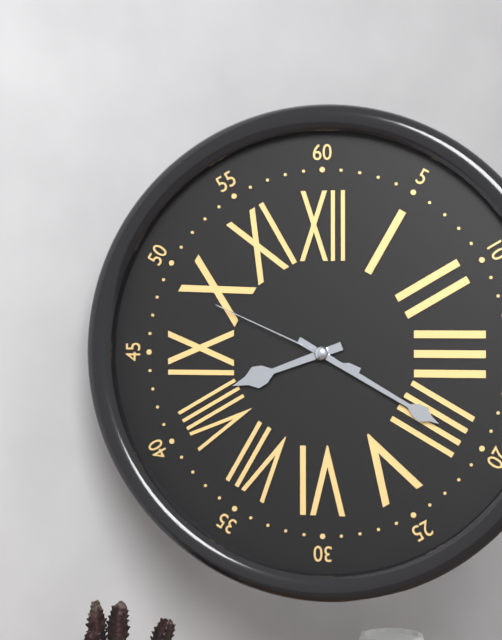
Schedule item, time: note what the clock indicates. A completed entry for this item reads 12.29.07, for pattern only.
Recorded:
8.20.49
